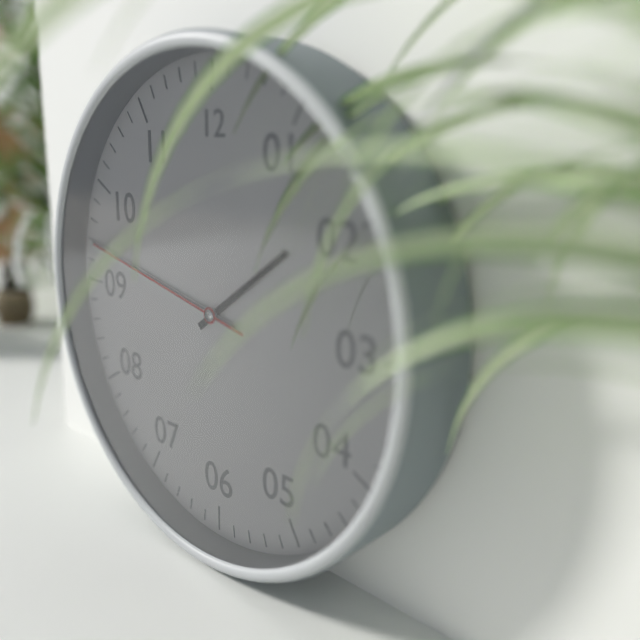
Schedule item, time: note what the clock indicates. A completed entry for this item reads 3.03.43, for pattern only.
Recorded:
1.47.47
